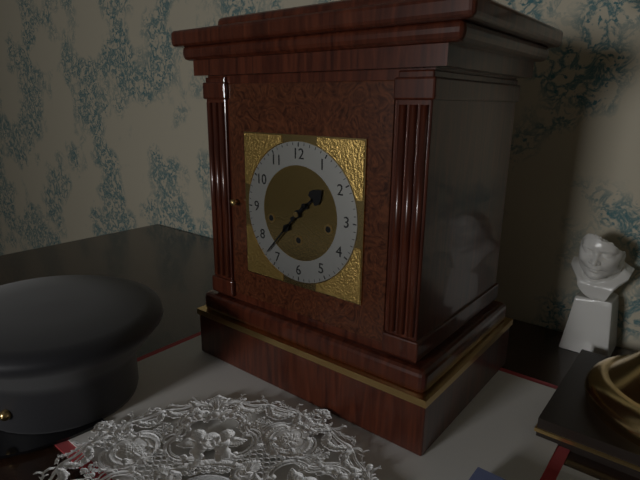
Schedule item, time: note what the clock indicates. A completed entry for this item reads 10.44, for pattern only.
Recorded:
1.37
